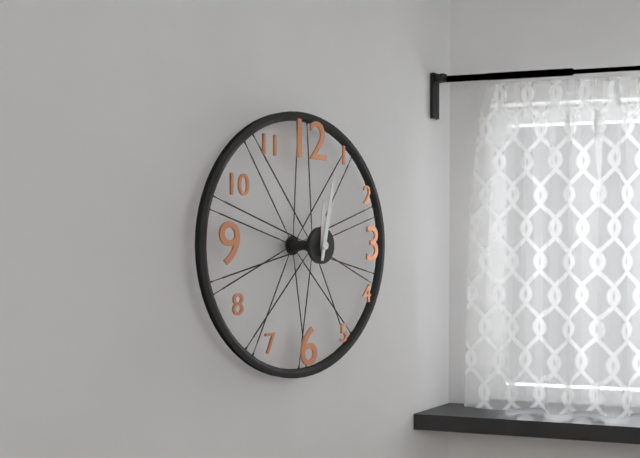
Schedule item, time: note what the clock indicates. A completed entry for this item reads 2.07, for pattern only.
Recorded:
12.02
